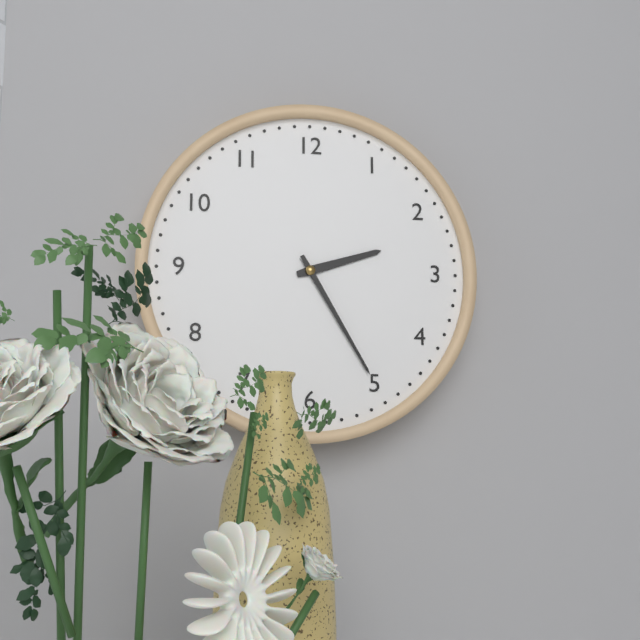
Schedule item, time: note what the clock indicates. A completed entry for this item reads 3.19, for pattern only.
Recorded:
2.25
